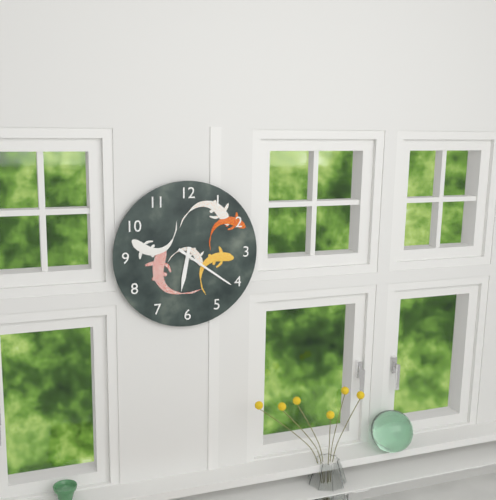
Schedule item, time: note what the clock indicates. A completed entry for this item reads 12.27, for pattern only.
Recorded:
6.21
